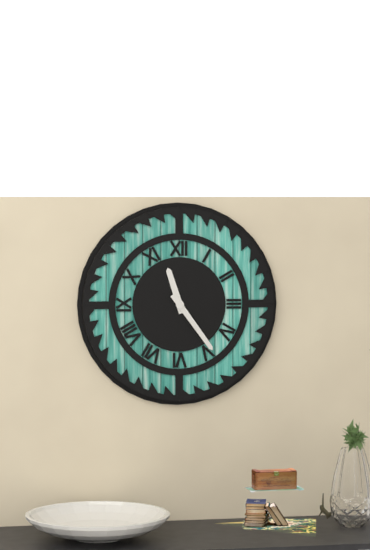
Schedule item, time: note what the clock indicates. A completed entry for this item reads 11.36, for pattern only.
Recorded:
11.24
